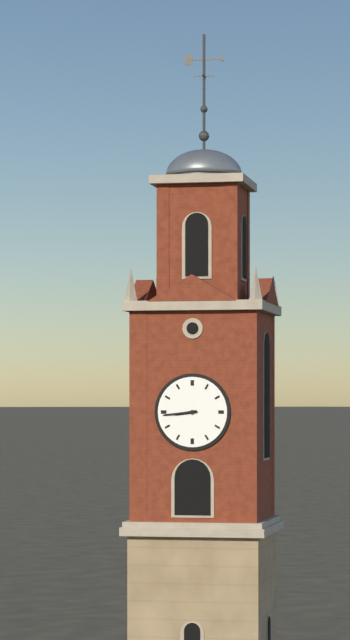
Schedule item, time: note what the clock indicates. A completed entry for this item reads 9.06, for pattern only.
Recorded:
8.44
